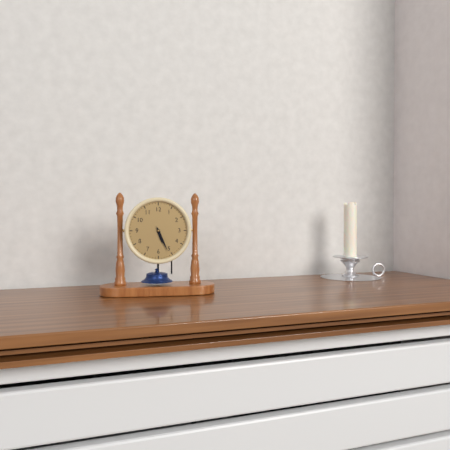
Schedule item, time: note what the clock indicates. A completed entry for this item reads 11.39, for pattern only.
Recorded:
5.26
